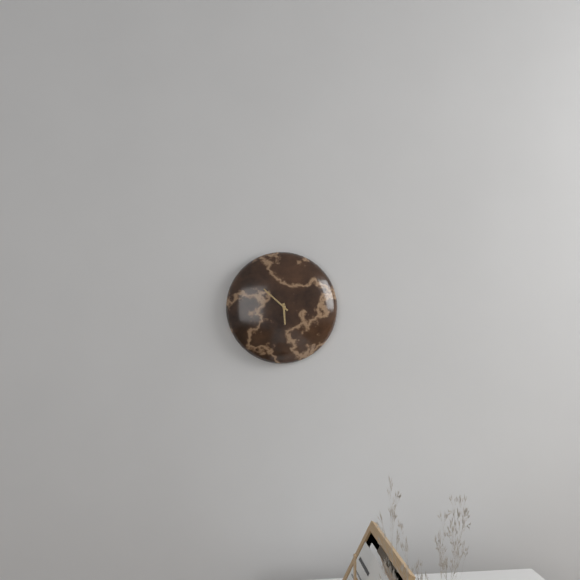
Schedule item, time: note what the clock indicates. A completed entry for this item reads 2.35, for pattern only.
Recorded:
5.52
